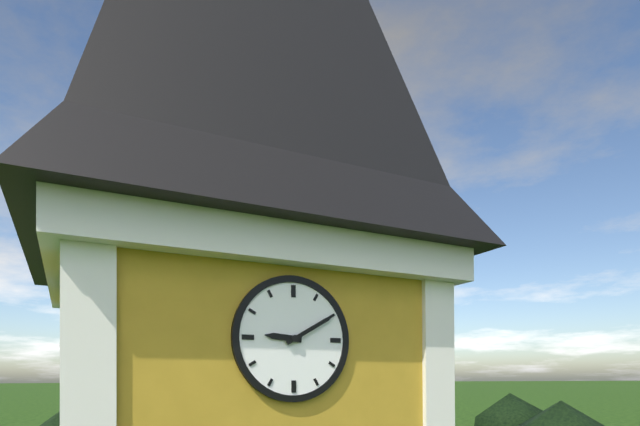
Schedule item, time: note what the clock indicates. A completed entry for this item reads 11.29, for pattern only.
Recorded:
9.10
